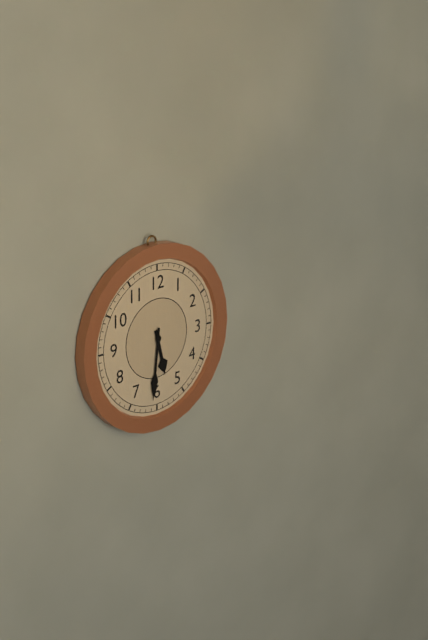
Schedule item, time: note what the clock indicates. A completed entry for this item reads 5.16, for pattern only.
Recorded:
5.31
